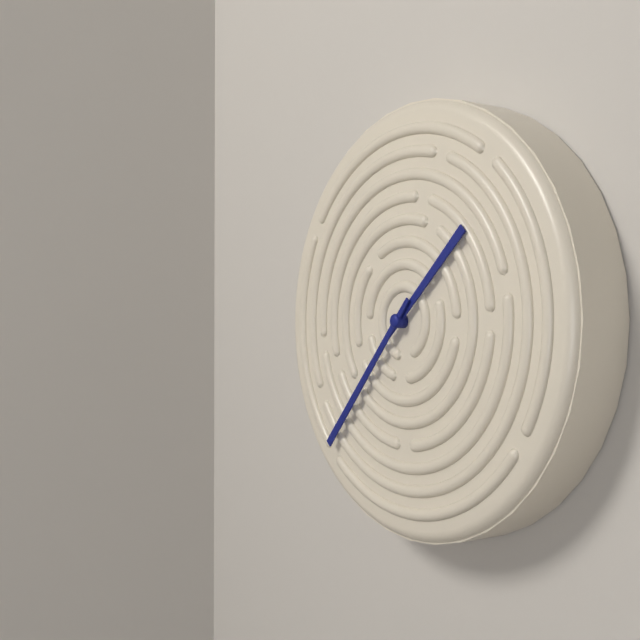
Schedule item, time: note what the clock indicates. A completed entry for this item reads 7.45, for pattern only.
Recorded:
1.37
